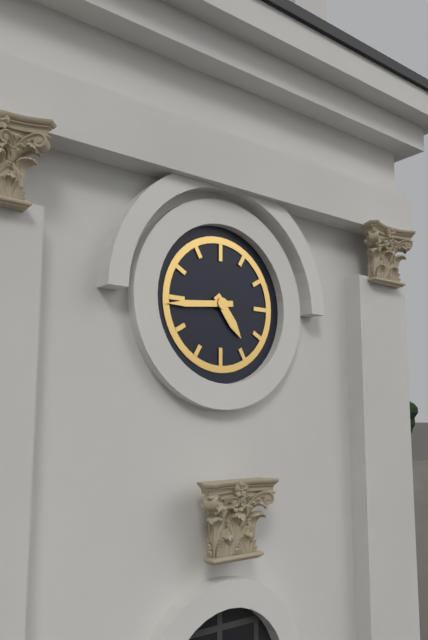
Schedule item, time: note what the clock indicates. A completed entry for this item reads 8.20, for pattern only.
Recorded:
4.44
